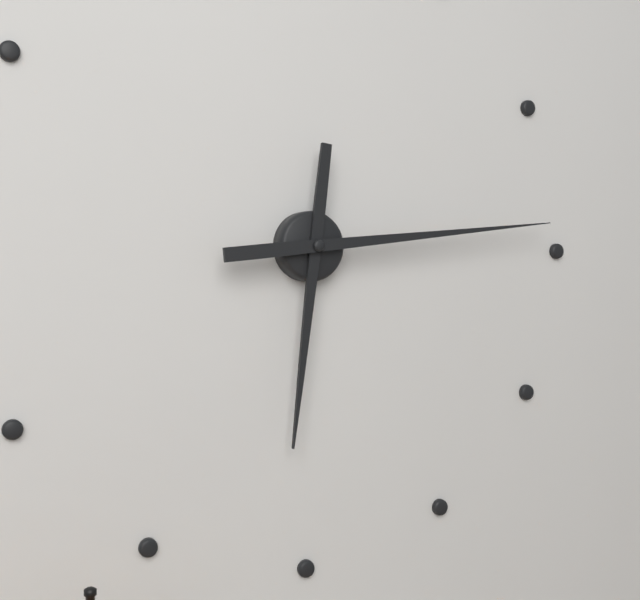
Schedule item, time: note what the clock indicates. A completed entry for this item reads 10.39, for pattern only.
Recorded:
6.14
